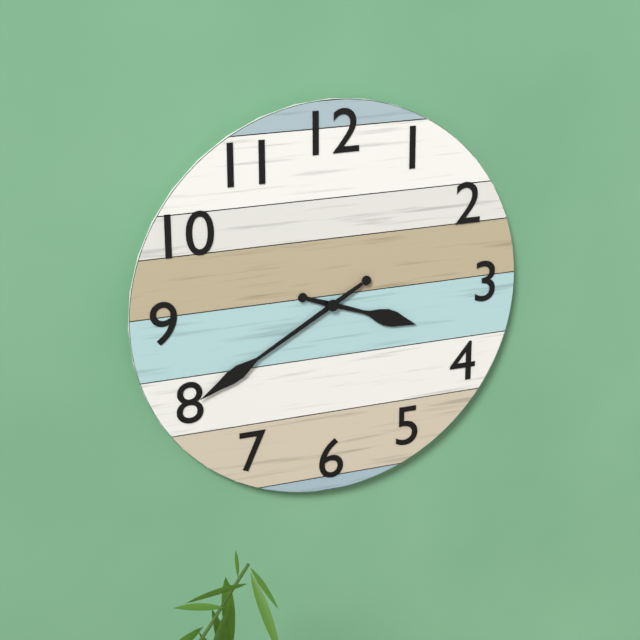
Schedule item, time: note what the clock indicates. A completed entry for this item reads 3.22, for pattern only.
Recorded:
3.40
